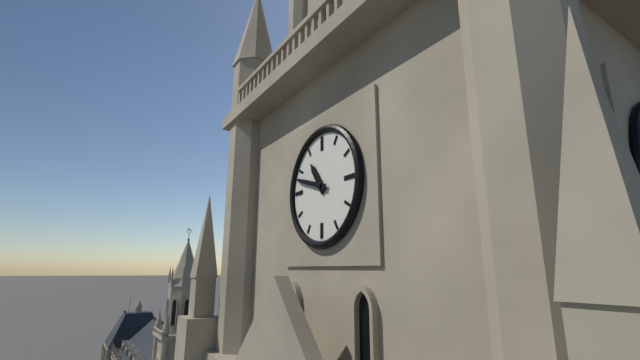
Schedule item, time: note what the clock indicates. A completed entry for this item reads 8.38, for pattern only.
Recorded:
10.48
